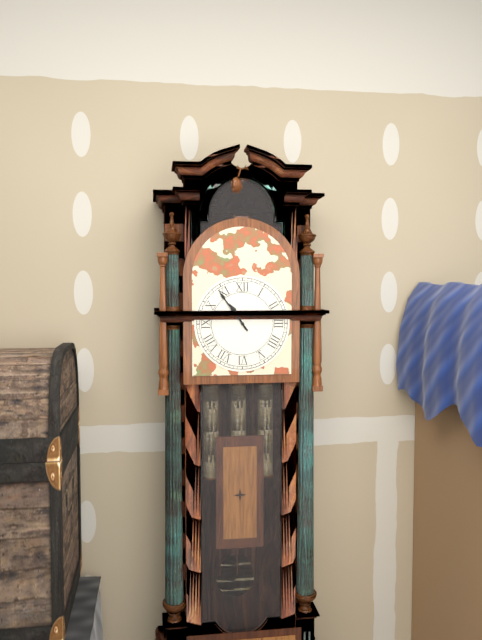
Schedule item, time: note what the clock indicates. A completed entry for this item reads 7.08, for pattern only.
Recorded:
10.54
